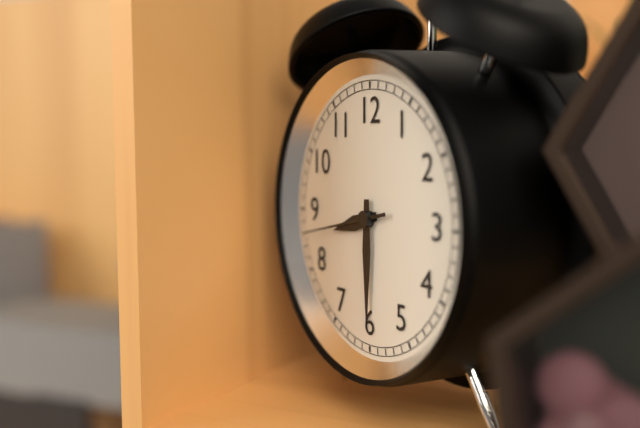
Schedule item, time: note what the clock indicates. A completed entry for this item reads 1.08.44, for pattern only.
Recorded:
8.30.43
